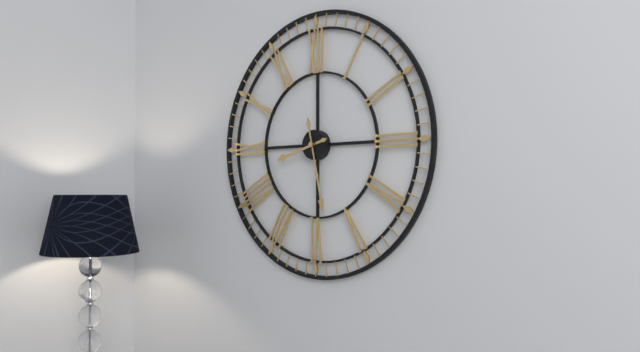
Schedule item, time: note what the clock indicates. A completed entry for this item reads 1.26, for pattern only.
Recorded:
8.28
